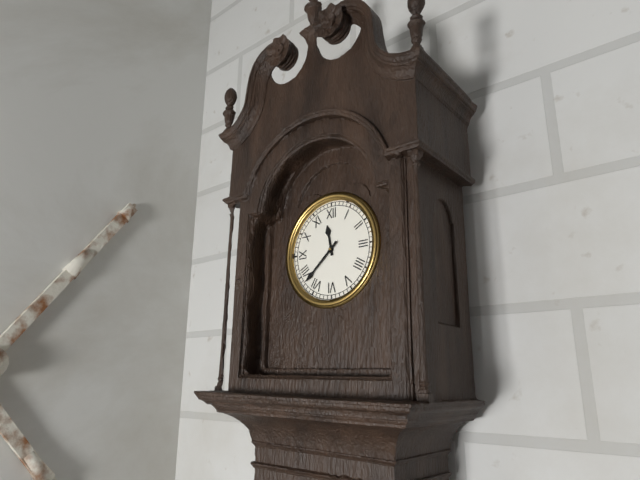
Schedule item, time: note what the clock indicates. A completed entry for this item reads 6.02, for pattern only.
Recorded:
11.38
